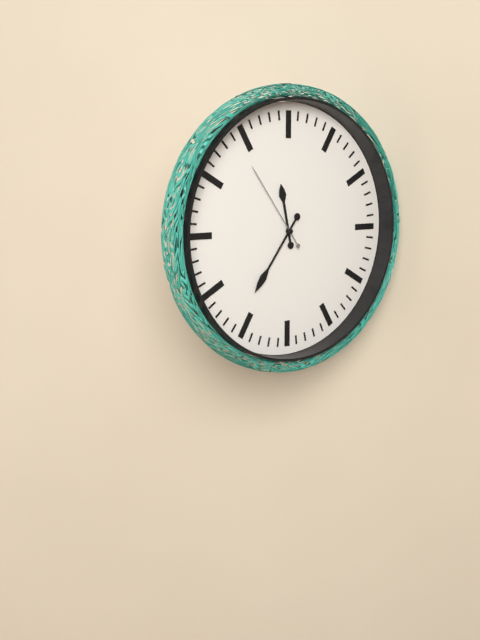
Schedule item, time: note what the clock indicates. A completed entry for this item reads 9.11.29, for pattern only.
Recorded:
11.36.54
